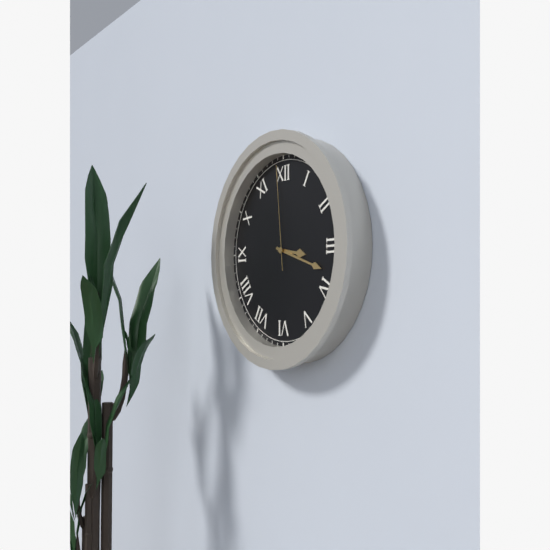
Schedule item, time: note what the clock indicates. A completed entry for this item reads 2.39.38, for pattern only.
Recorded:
3.18.59
